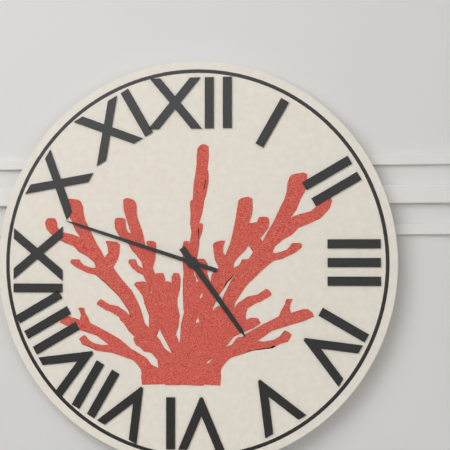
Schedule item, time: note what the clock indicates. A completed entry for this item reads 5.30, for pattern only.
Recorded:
4.48
